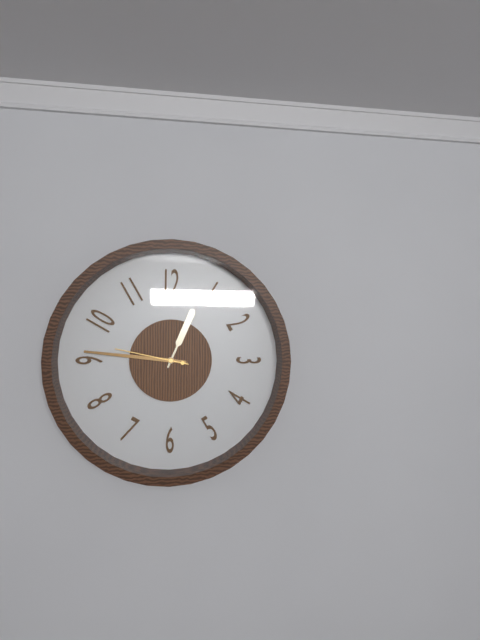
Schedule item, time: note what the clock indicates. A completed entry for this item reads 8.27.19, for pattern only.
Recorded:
12.46.47
